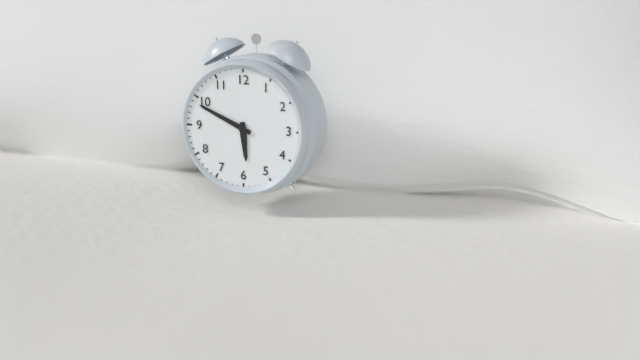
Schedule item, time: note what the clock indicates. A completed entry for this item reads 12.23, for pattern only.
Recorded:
5.49
